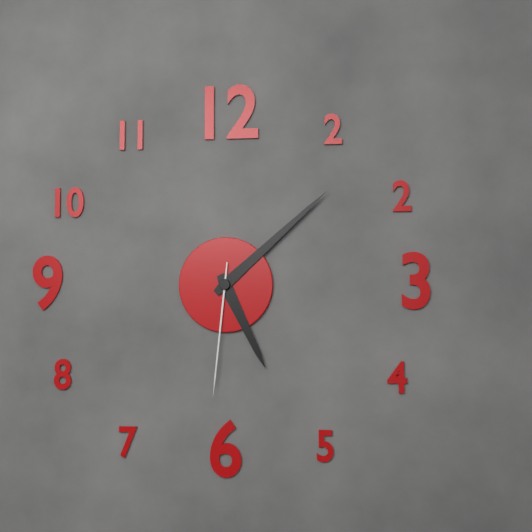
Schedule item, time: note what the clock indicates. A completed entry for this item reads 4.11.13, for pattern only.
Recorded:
5.08.31
